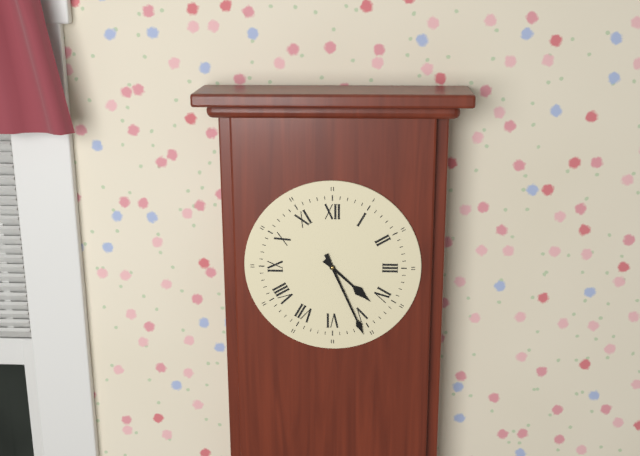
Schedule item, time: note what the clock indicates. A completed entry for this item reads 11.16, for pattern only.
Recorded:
4.26
